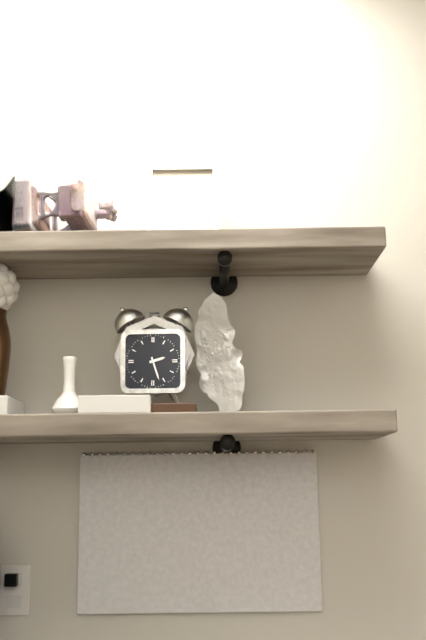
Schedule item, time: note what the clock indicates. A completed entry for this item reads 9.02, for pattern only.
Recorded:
2.27
